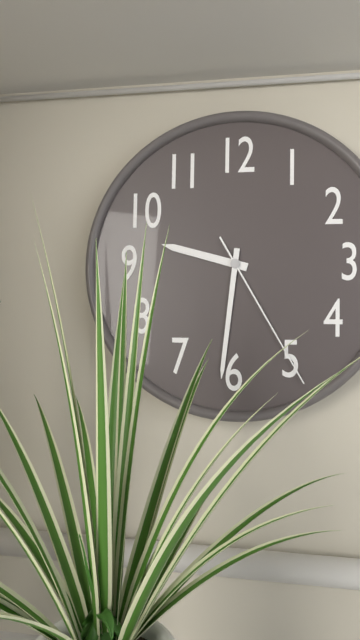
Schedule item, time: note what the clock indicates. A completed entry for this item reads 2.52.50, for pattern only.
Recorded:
9.31.25
